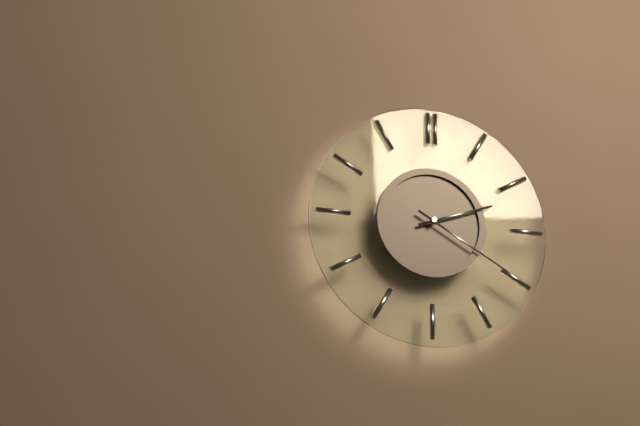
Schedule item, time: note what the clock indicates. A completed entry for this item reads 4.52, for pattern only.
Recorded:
2.20
